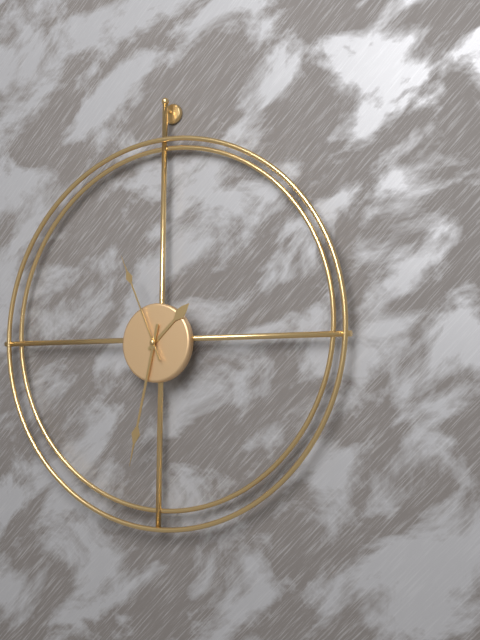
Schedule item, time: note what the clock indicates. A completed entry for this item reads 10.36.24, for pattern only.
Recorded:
1.32.56
